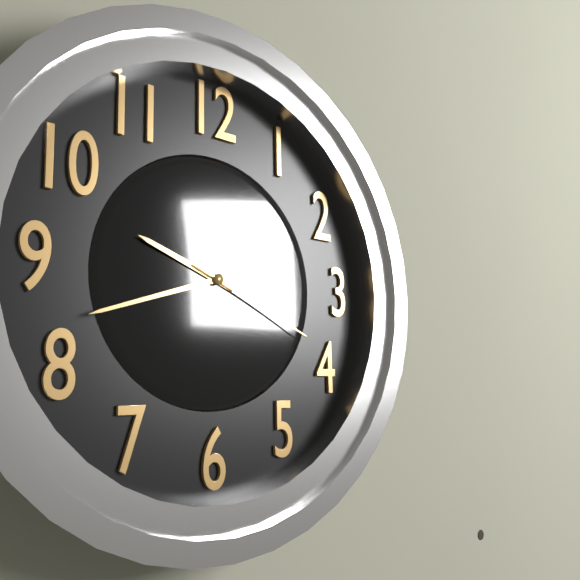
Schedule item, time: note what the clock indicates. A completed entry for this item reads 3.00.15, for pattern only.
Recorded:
9.42.19
